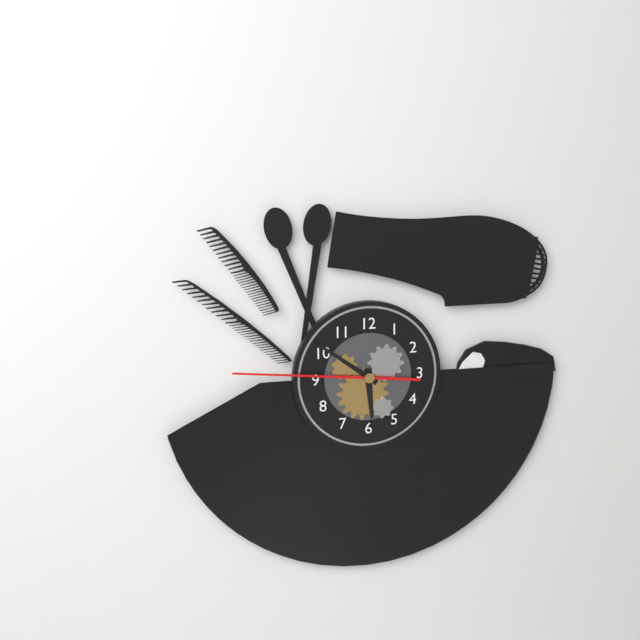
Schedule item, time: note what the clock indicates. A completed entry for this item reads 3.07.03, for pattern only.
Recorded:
5.51.46
